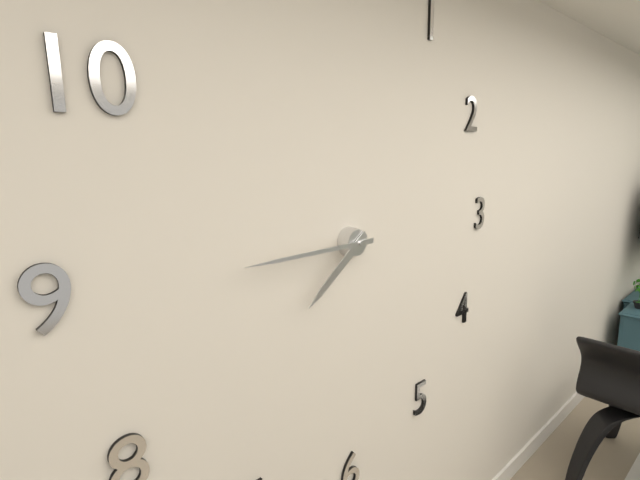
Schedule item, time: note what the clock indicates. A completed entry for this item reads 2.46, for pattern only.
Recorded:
7.45
